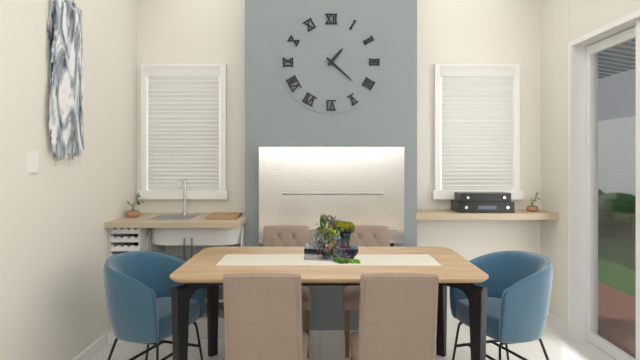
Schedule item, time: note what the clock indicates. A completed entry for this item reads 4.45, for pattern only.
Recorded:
1.22
